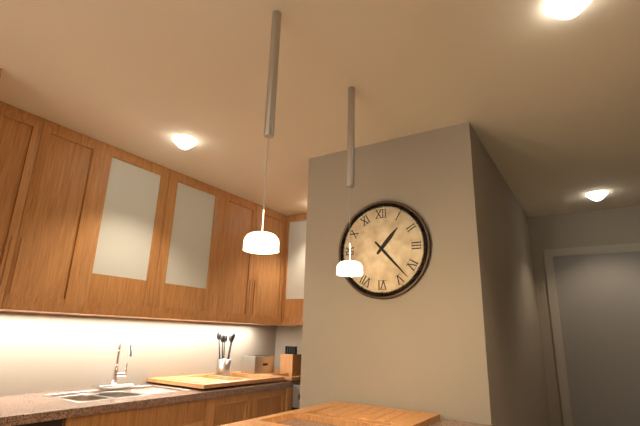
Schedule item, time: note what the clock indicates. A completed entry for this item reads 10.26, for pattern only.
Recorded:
1.23
